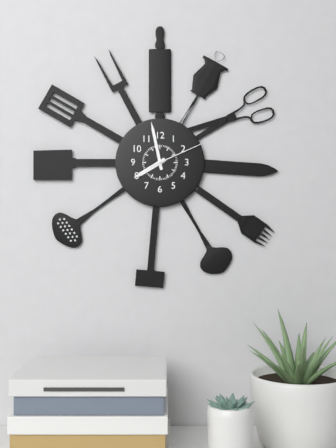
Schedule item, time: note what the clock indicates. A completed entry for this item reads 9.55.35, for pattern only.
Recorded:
7.58.11
